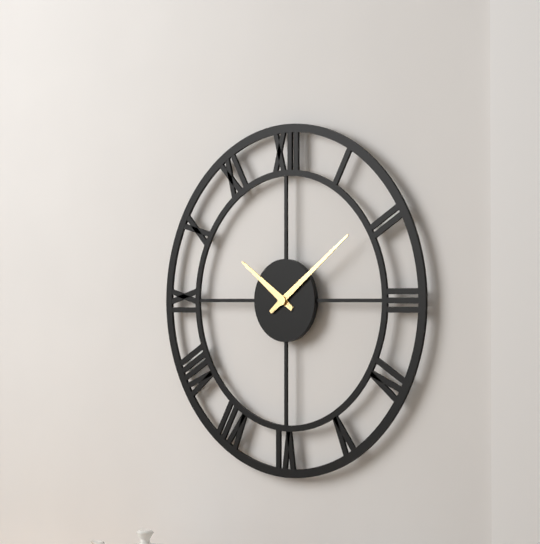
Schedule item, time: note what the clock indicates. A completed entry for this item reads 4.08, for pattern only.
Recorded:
10.09
